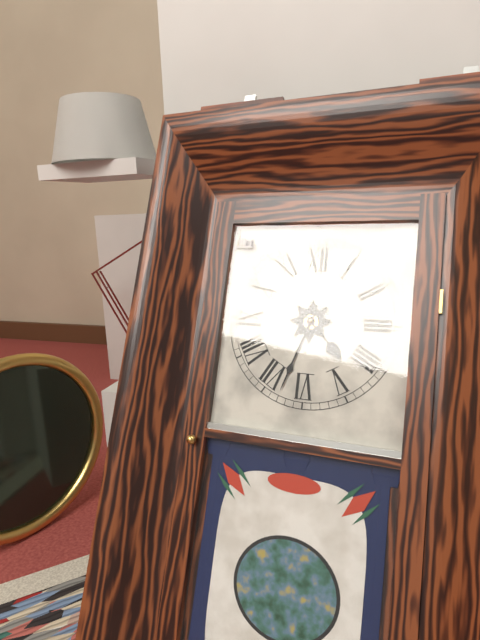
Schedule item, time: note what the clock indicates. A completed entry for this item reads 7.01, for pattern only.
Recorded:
4.33
